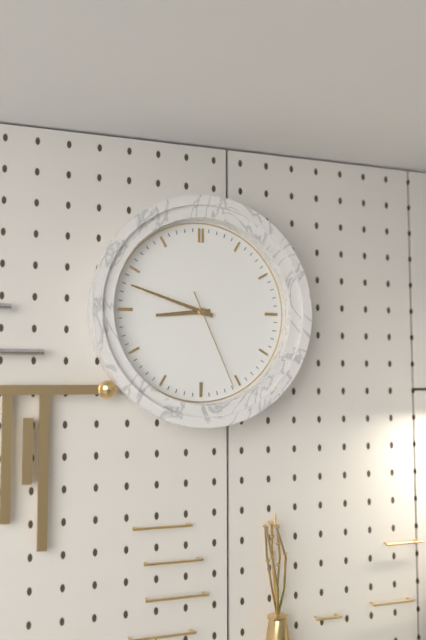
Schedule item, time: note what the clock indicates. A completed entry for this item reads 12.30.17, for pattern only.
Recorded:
8.48.26
